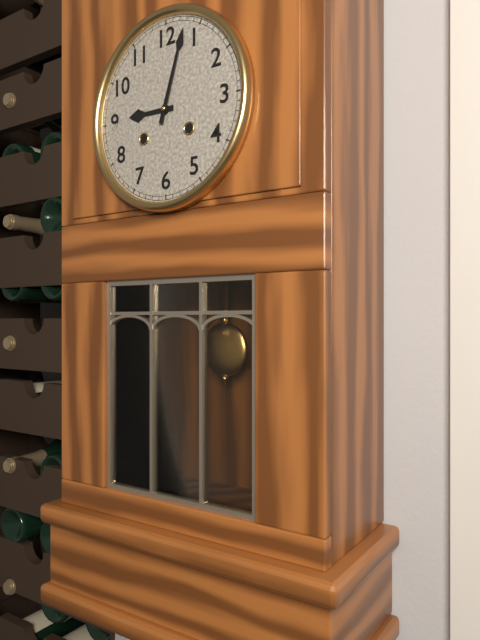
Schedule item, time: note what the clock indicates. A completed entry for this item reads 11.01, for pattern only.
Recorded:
9.03
